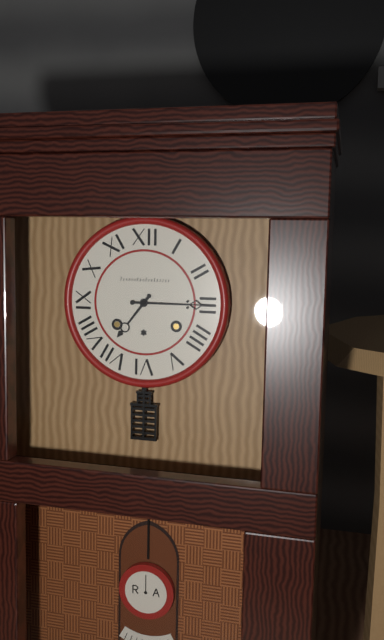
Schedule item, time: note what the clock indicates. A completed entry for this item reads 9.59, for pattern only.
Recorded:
7.15
